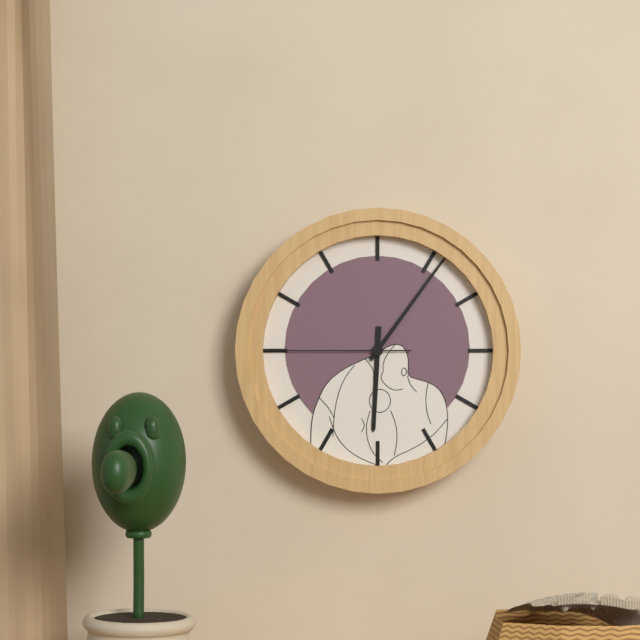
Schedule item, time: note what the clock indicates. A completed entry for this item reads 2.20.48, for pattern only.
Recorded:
6.06.45
